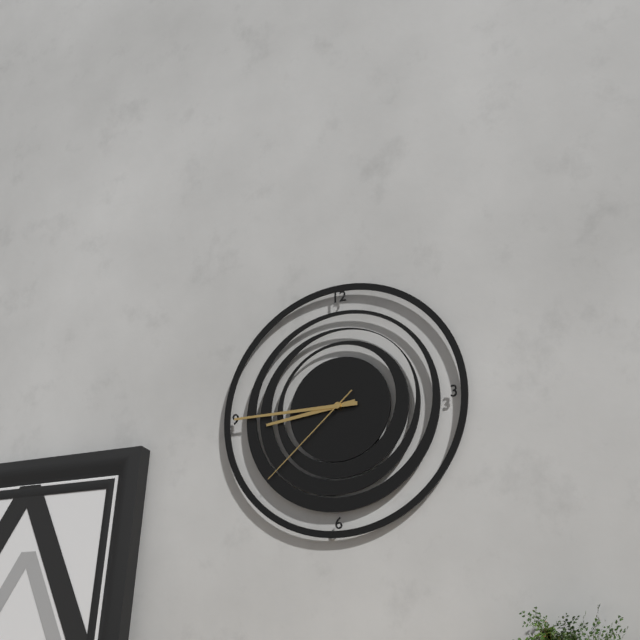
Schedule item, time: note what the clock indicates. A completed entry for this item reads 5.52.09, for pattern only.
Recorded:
8.45.38
